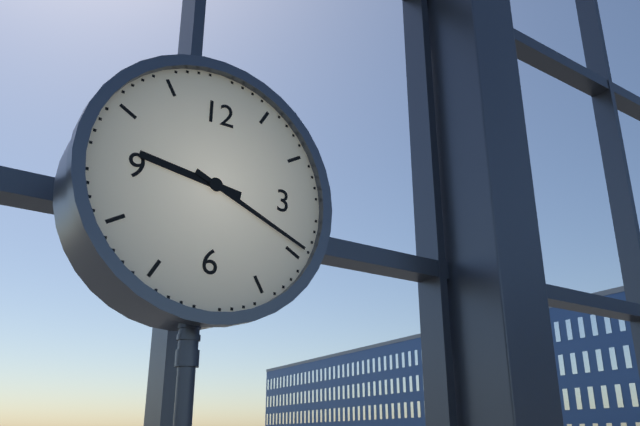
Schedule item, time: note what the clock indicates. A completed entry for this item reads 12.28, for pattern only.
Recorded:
9.19
